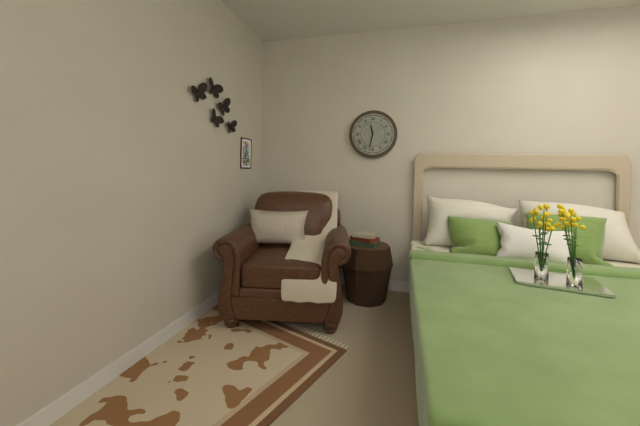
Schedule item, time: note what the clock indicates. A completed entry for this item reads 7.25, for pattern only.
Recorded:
11.32
